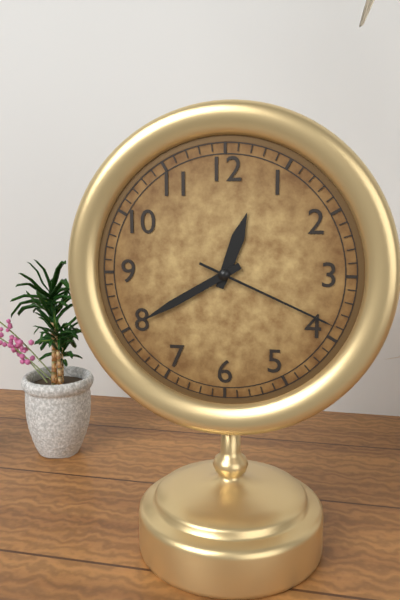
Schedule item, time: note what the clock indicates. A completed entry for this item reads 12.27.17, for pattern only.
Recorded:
12.40.19
